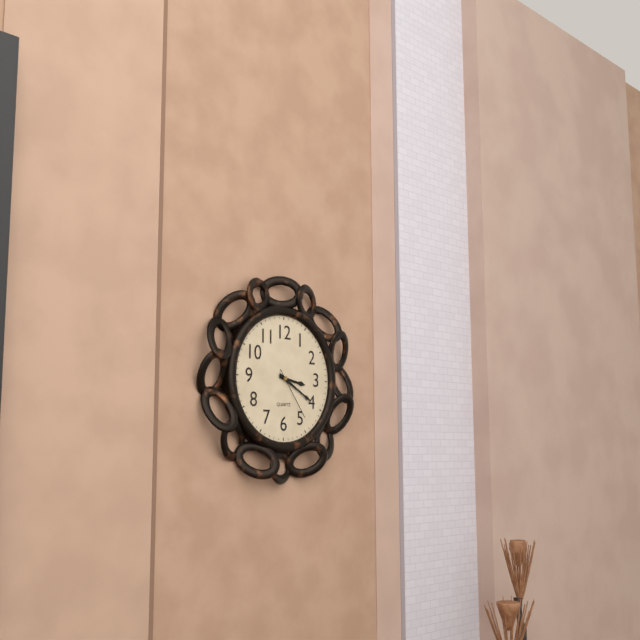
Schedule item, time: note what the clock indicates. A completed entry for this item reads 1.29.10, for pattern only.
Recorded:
3.20.24
